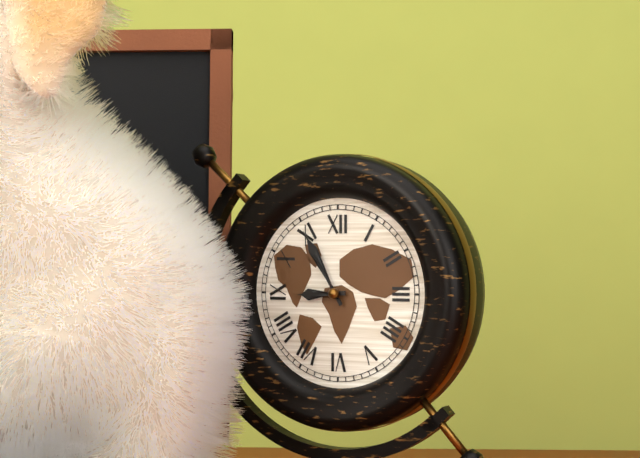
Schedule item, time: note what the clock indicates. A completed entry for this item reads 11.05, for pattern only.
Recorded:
8.55
